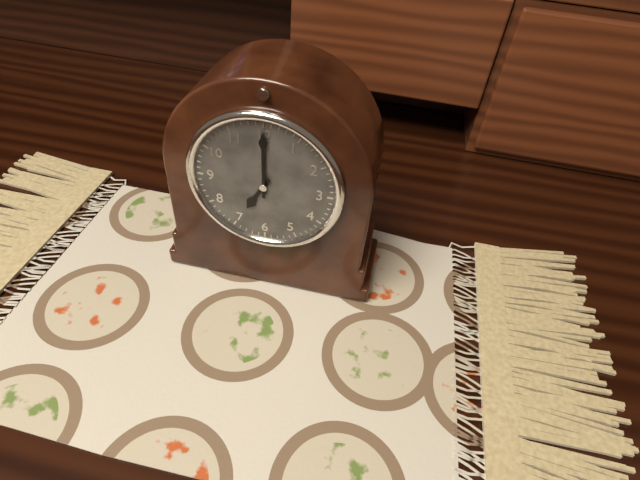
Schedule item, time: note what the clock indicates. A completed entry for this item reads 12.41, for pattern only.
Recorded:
7.00
